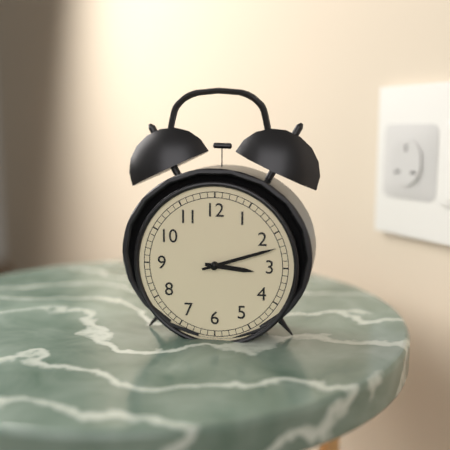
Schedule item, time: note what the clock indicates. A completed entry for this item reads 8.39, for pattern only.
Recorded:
3.12
